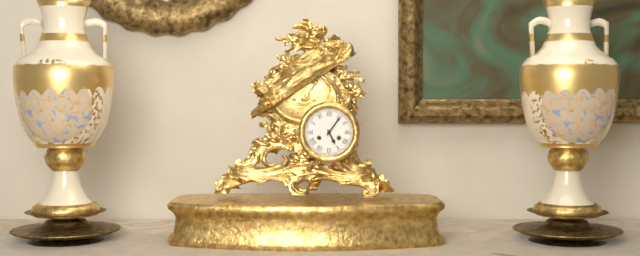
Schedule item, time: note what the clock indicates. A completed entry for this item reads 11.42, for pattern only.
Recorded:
5.06
